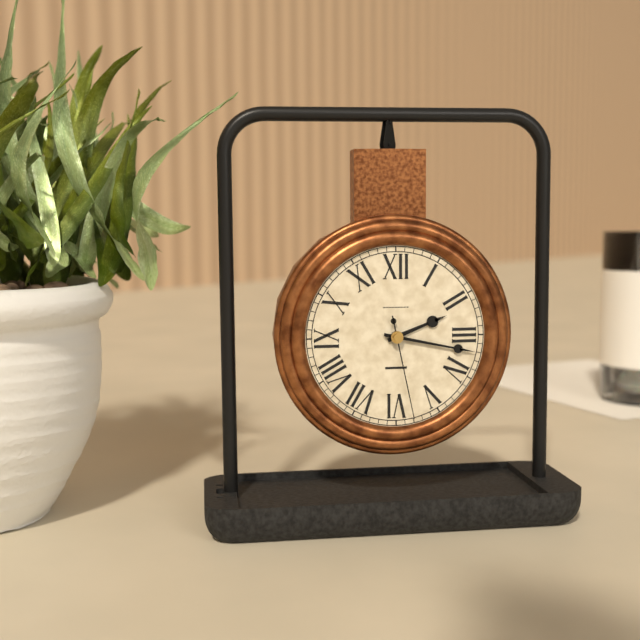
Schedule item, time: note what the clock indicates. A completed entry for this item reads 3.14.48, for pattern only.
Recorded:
2.17.28
